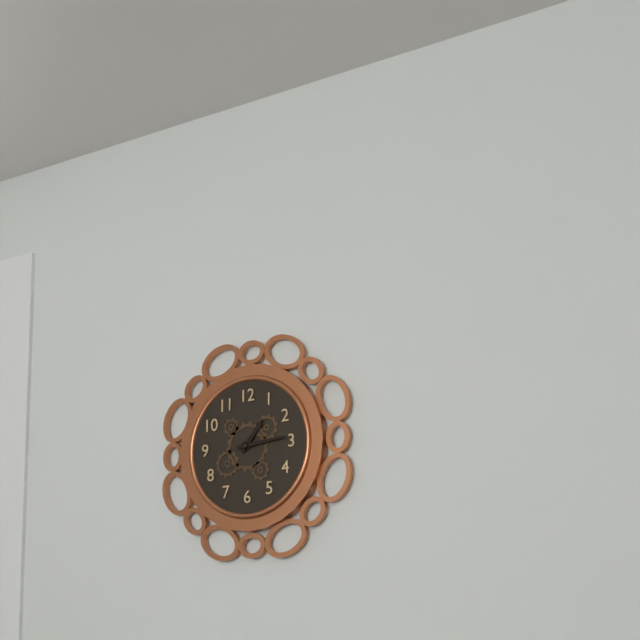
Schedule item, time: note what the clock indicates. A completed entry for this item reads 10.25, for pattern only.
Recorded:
1.14
